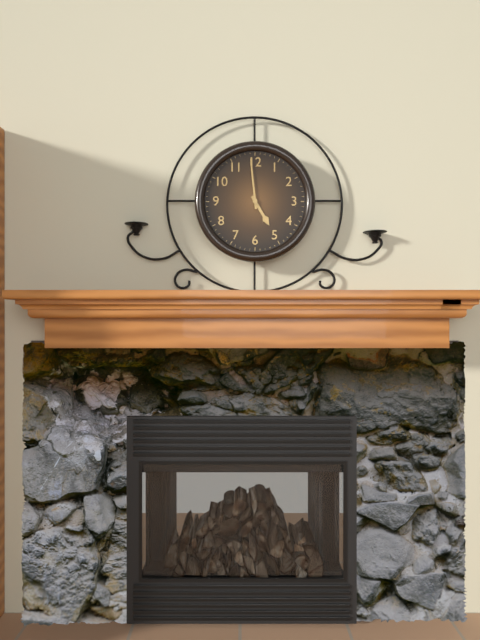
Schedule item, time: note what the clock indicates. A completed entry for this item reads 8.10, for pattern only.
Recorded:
4.59
